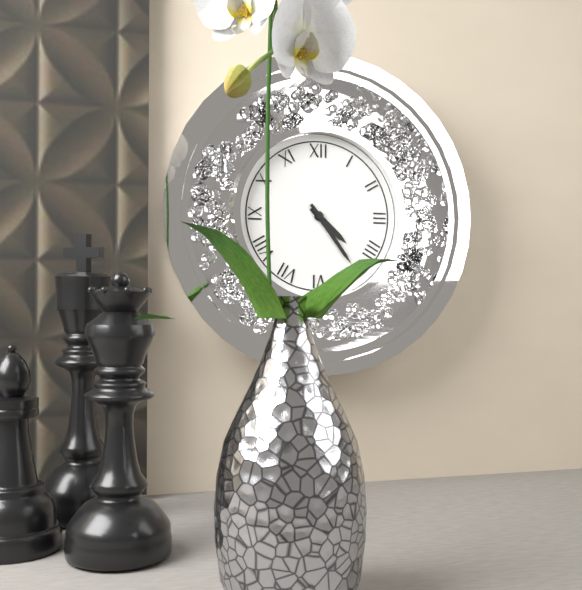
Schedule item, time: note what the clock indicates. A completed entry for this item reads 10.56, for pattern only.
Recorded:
4.24
